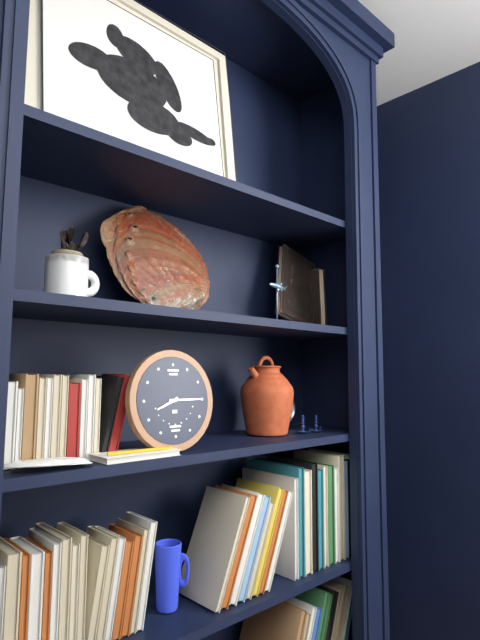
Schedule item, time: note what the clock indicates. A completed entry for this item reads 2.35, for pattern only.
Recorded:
8.15
